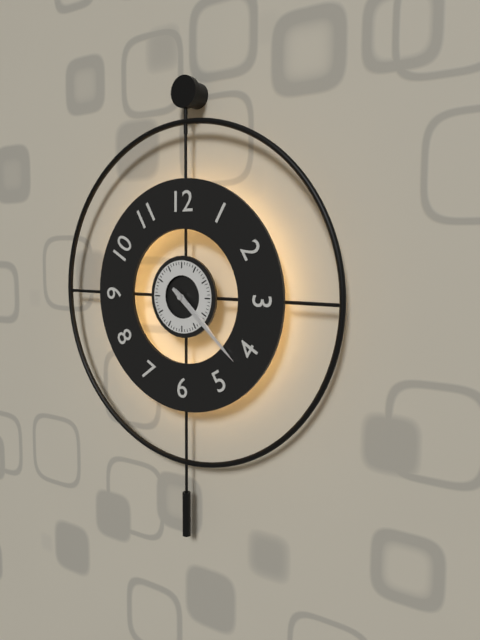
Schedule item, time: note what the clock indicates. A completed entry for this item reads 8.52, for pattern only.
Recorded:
4.22
